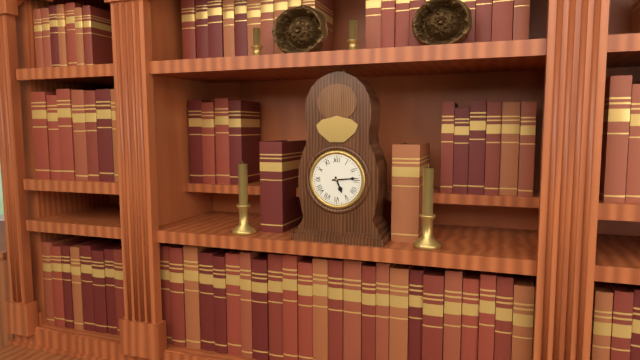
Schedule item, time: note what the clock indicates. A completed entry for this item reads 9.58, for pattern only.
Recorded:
5.14
